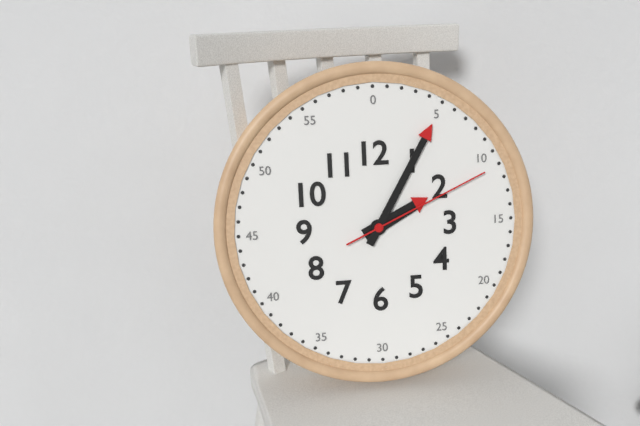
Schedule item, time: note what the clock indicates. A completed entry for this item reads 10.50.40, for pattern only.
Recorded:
2.05.11
